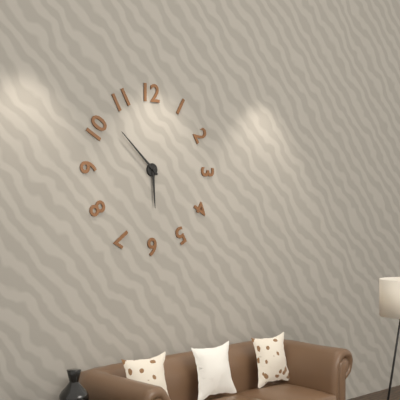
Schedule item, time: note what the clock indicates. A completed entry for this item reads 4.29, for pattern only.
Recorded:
5.52
